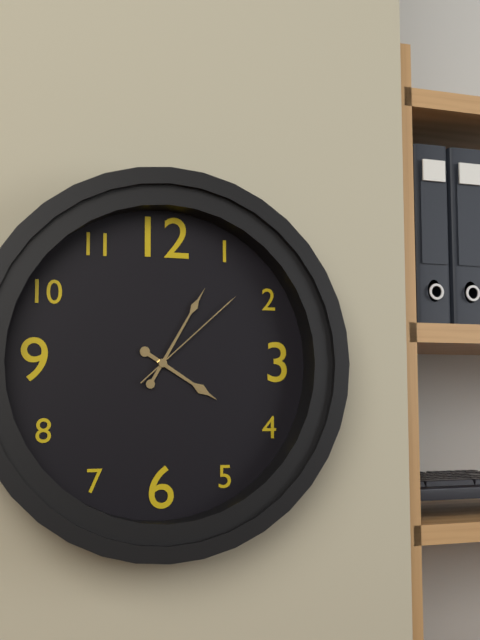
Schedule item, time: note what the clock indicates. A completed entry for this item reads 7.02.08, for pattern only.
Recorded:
4.05.08
